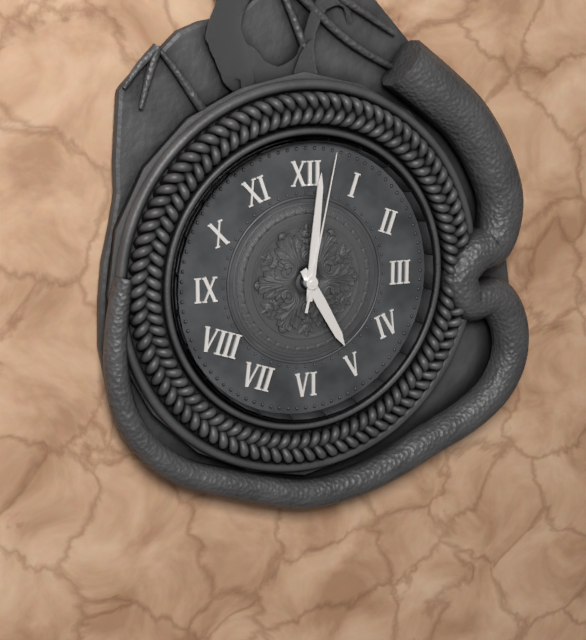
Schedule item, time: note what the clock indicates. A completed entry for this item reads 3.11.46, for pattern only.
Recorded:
5.01.02
